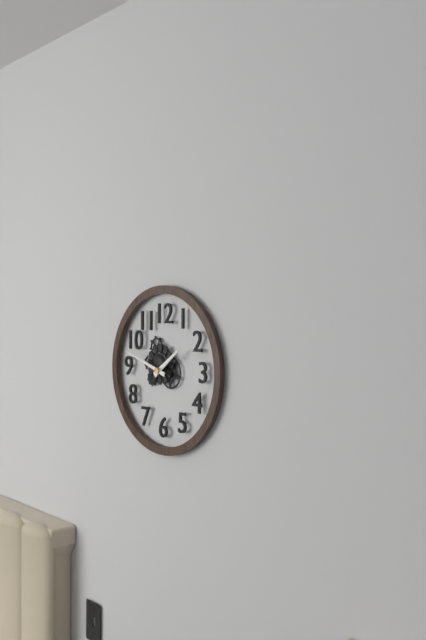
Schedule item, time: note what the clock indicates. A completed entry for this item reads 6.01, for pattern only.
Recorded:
1.48
